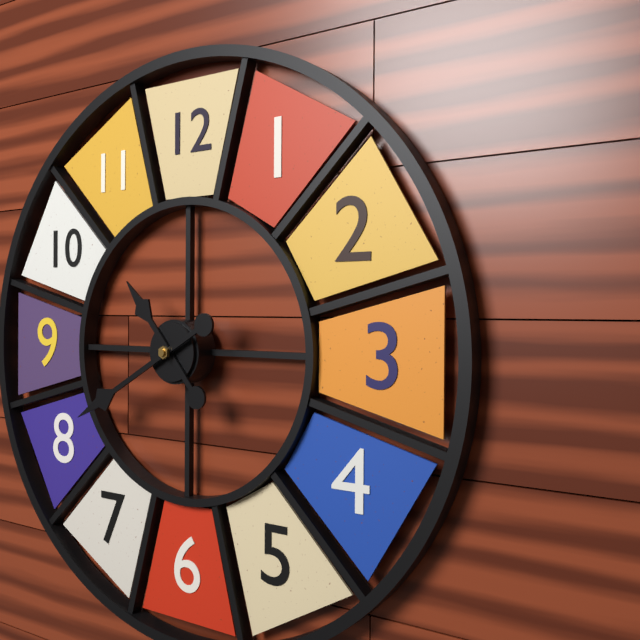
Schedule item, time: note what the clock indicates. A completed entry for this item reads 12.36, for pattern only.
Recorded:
10.40
